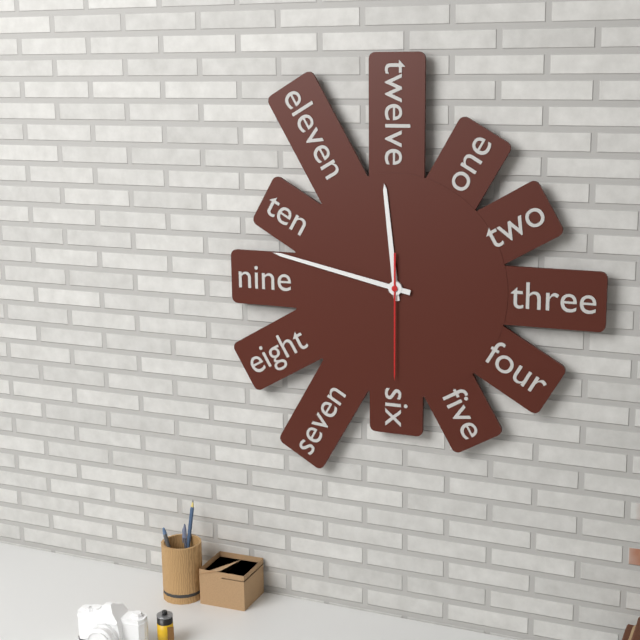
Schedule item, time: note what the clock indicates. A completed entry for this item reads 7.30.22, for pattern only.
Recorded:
11.47.30
